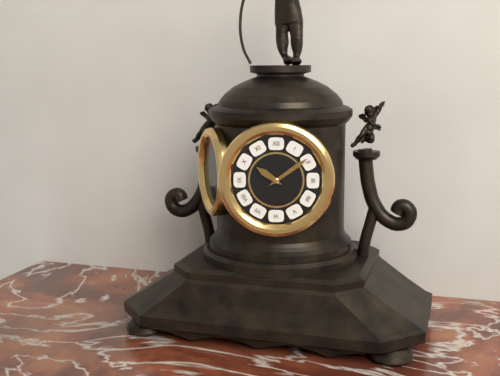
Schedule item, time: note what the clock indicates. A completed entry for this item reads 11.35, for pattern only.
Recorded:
10.09
